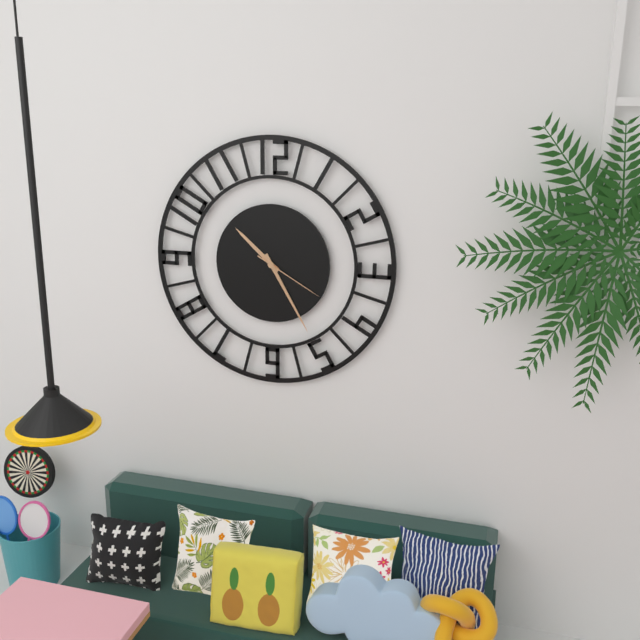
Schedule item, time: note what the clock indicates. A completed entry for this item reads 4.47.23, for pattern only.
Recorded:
10.25.20
